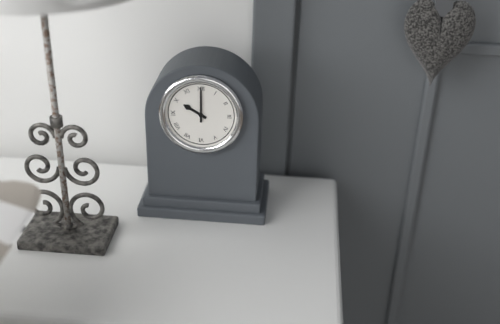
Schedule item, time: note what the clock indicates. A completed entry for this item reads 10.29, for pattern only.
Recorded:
10.00
